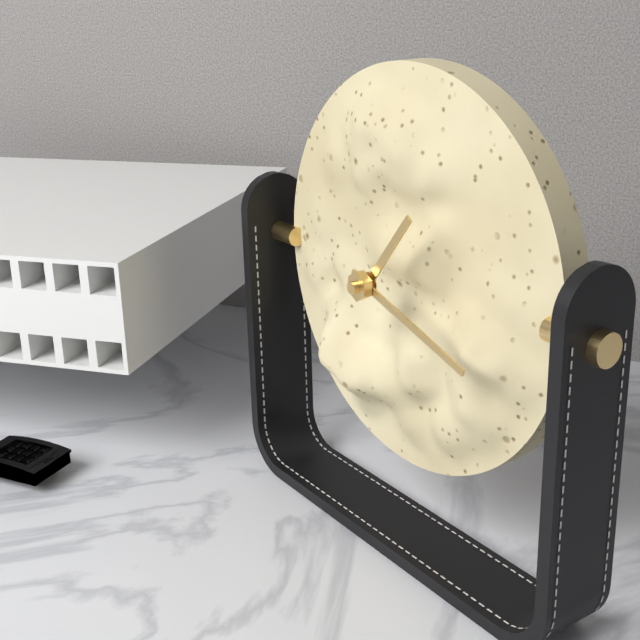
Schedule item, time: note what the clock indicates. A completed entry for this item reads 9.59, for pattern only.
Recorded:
1.18
